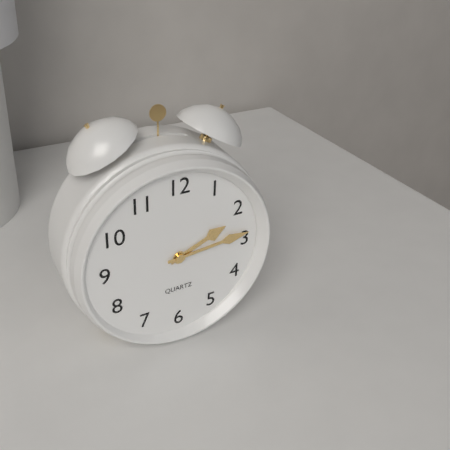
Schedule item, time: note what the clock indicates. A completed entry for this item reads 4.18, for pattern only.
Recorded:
2.14
